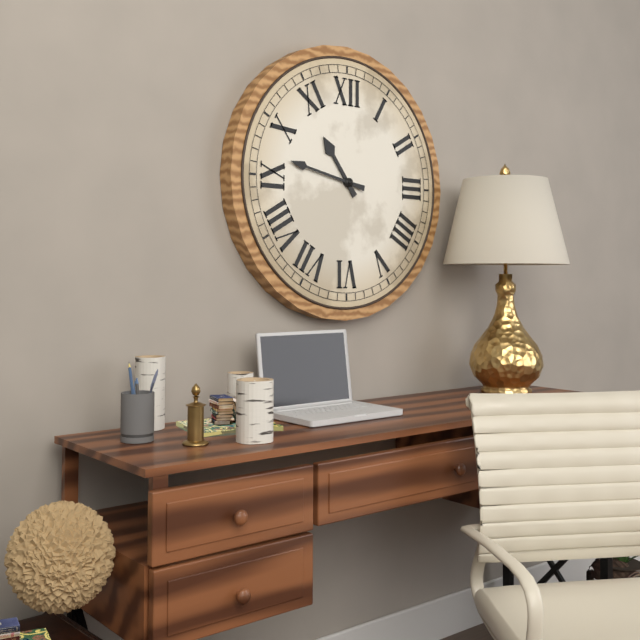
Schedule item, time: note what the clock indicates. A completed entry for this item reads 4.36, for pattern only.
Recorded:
10.47
